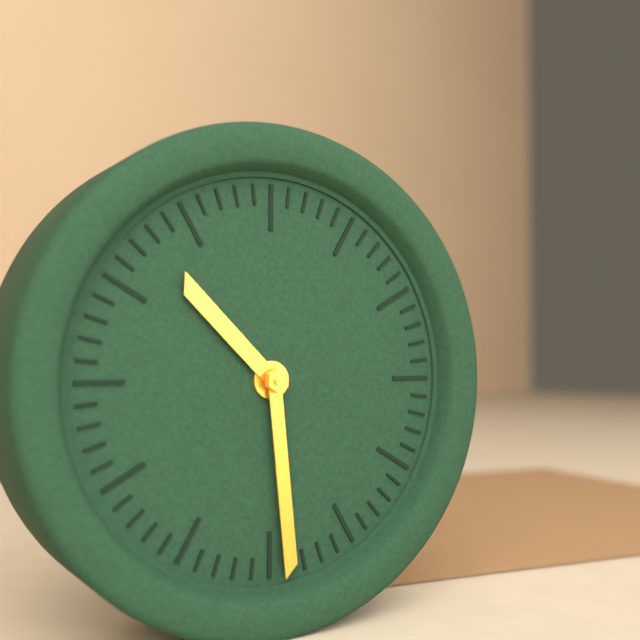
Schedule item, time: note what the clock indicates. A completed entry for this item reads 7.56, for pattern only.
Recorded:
10.29
